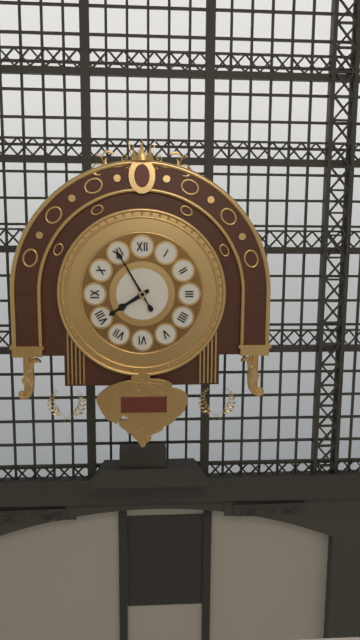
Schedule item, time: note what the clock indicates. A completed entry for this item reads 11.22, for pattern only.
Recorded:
7.55
